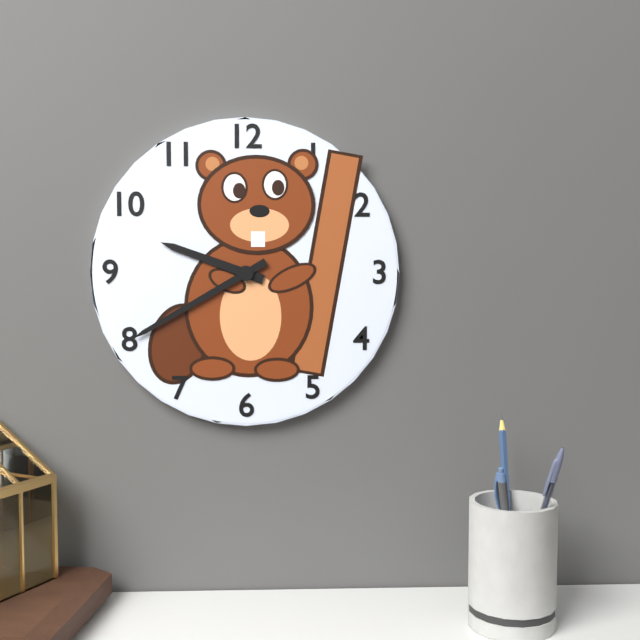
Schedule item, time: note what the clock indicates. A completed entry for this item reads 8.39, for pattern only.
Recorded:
9.40
